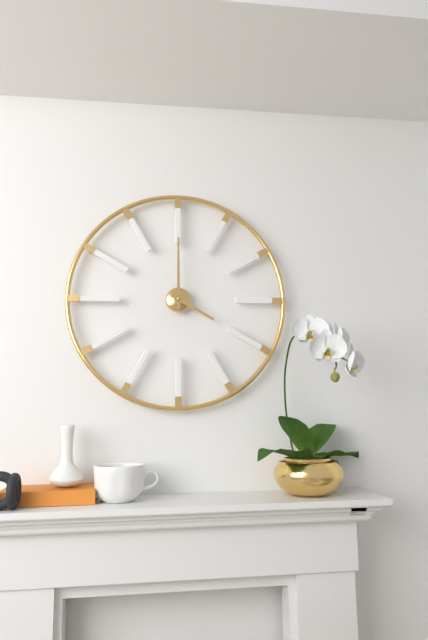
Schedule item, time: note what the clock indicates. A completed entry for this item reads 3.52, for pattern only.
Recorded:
4.00
